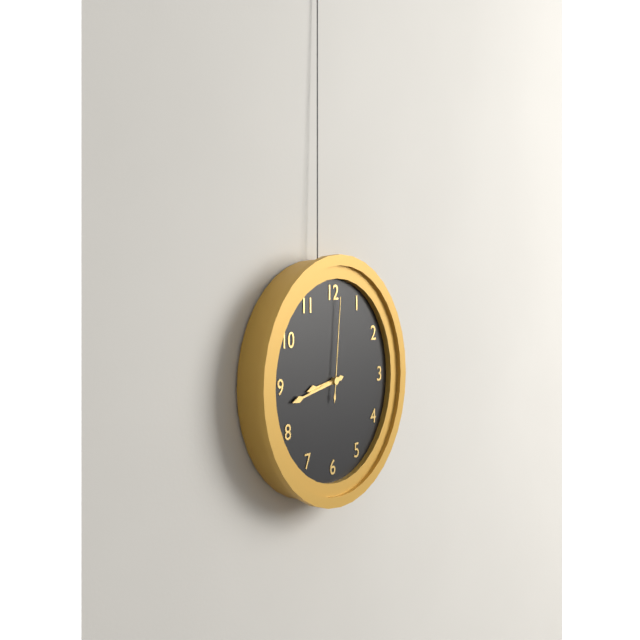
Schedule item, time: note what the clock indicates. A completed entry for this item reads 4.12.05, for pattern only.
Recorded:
8.43.01
